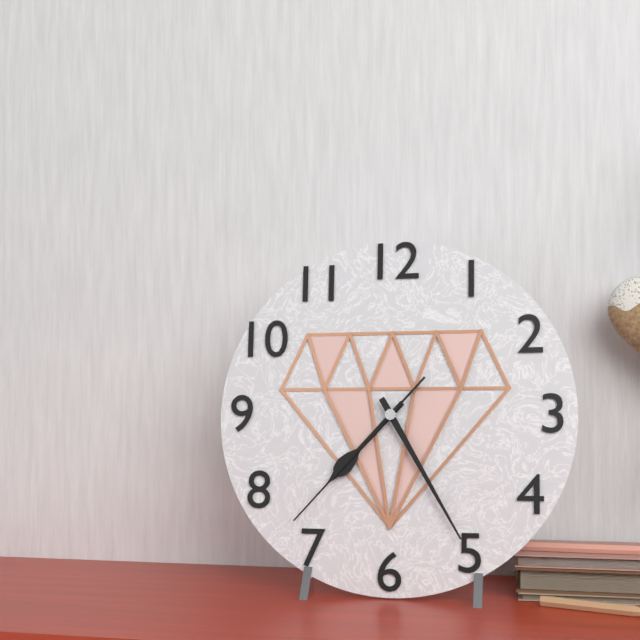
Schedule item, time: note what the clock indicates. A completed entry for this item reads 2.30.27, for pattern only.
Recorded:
7.25.37
